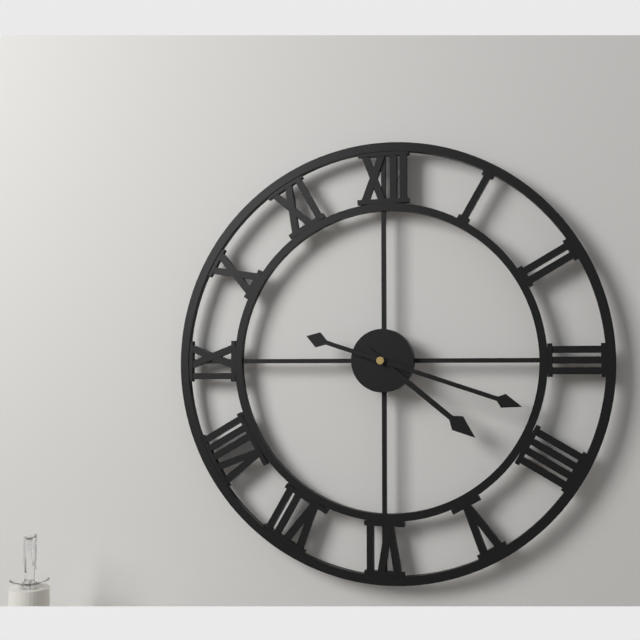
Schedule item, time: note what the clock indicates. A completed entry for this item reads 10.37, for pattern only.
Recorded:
4.18
